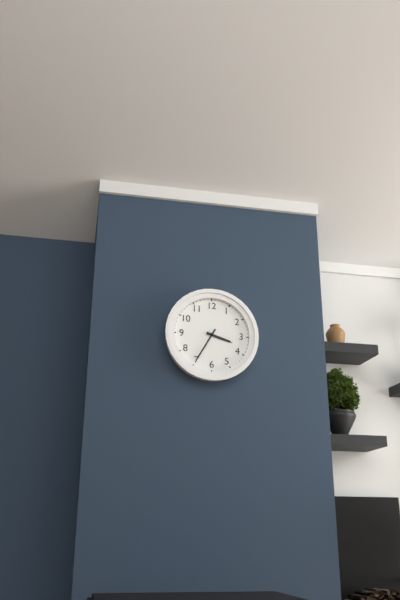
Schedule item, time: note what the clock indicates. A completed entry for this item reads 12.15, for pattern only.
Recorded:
3.35
